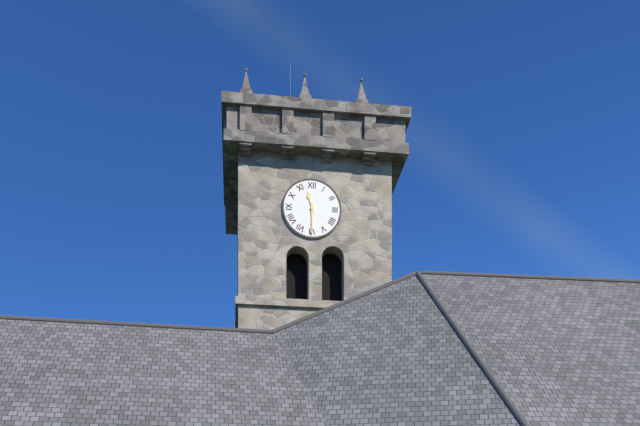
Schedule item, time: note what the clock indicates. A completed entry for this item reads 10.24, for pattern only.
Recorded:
11.30
